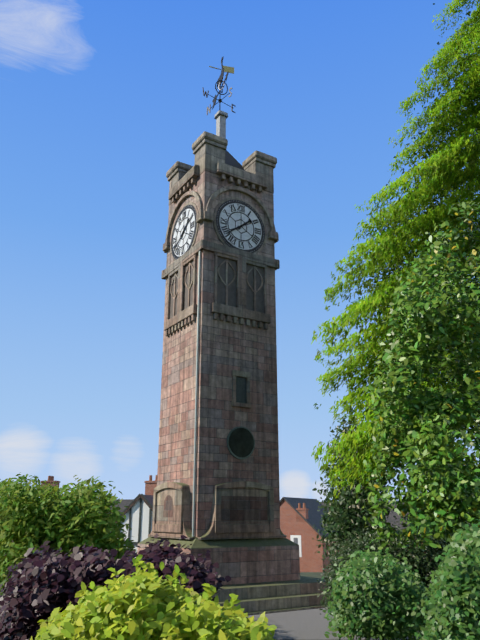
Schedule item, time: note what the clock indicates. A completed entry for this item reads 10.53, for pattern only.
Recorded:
1.39
